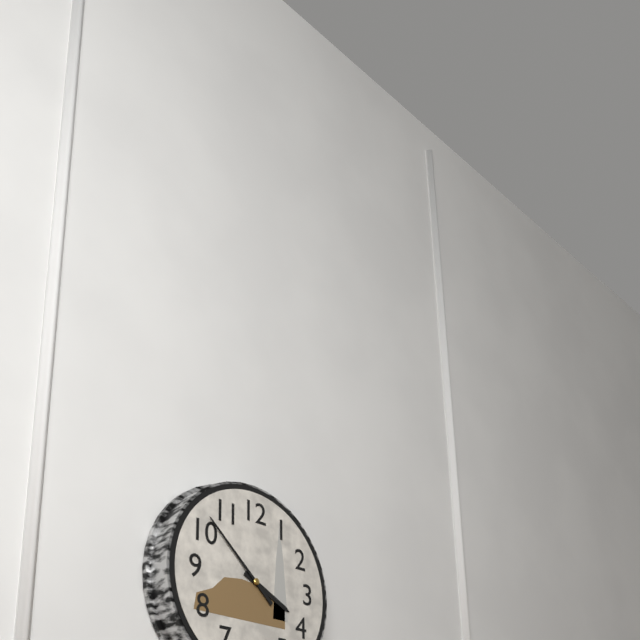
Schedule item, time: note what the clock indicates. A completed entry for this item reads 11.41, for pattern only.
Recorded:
3.52
